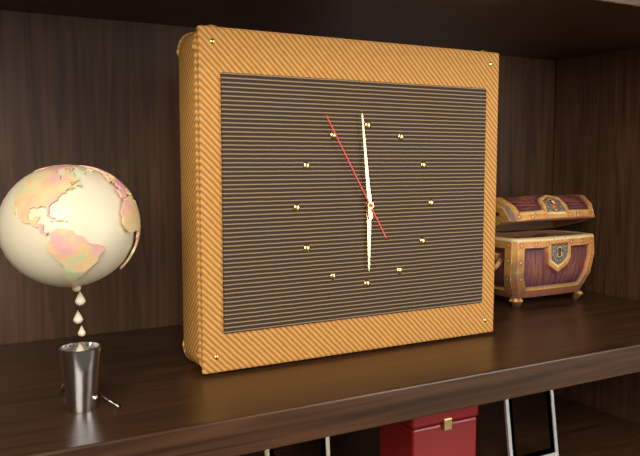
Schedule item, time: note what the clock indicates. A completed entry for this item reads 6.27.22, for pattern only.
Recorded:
5.59.55
